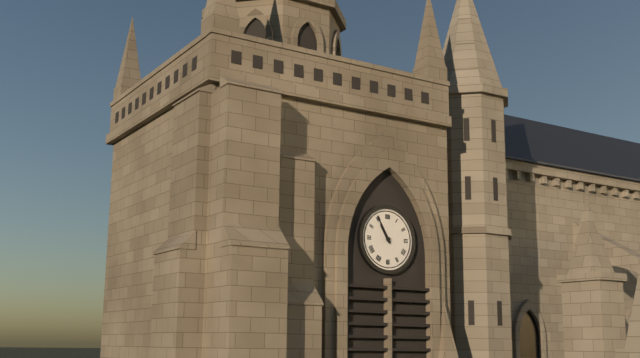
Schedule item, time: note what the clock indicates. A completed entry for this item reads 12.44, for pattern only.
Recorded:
10.55
